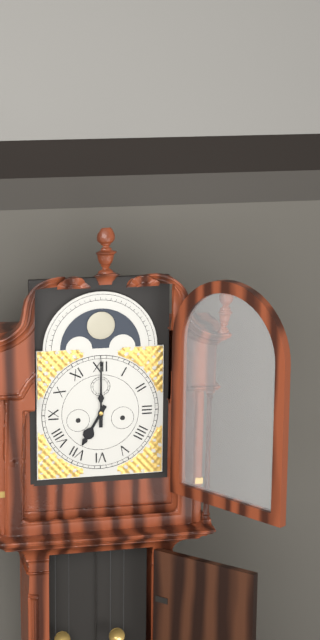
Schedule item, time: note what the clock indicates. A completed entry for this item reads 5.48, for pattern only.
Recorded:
7.00
